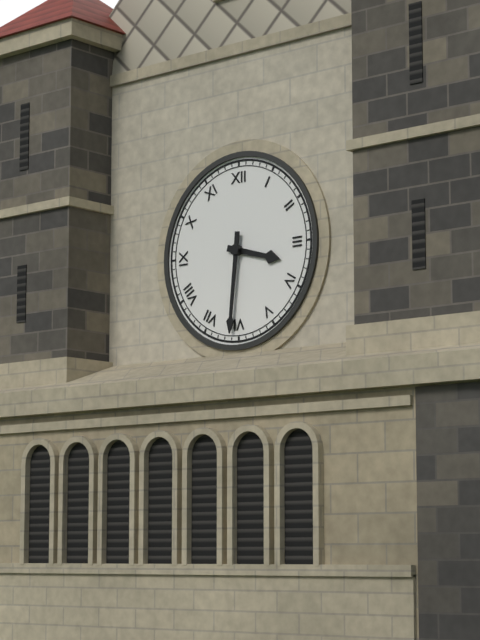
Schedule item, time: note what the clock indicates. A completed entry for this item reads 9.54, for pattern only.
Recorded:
3.31
